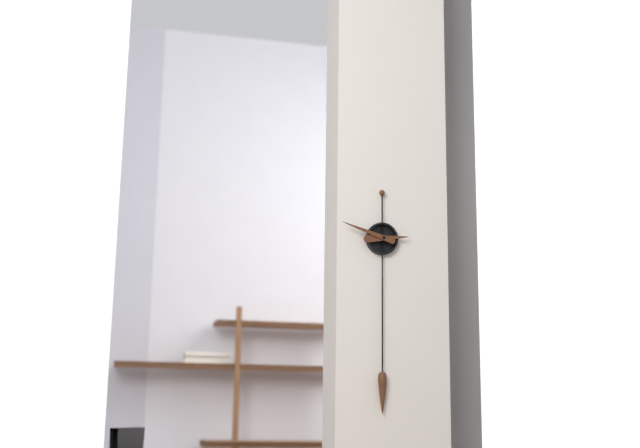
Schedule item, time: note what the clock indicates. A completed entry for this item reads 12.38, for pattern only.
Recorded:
2.48
